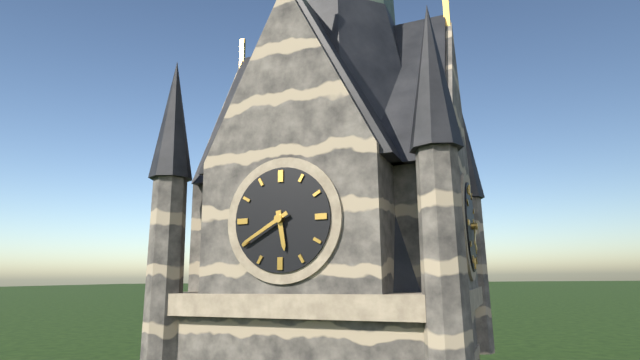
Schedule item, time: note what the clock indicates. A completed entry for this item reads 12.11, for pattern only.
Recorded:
5.40
